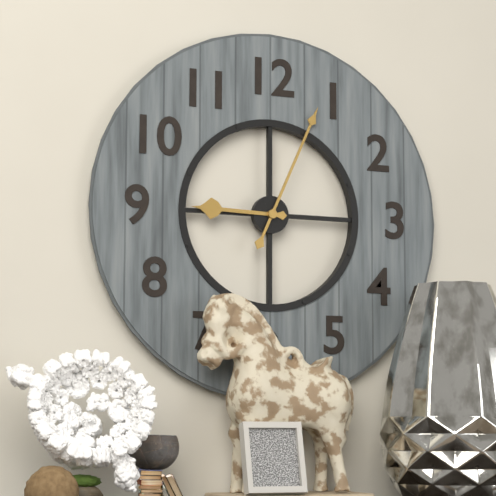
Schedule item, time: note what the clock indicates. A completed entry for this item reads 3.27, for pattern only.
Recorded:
9.04
